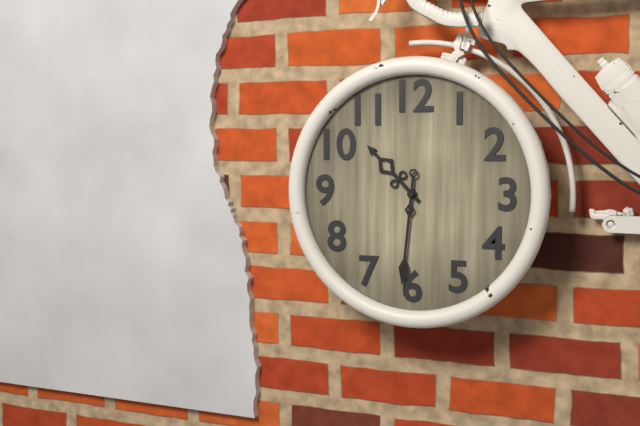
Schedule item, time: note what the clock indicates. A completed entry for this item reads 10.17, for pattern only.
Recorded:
10.31
